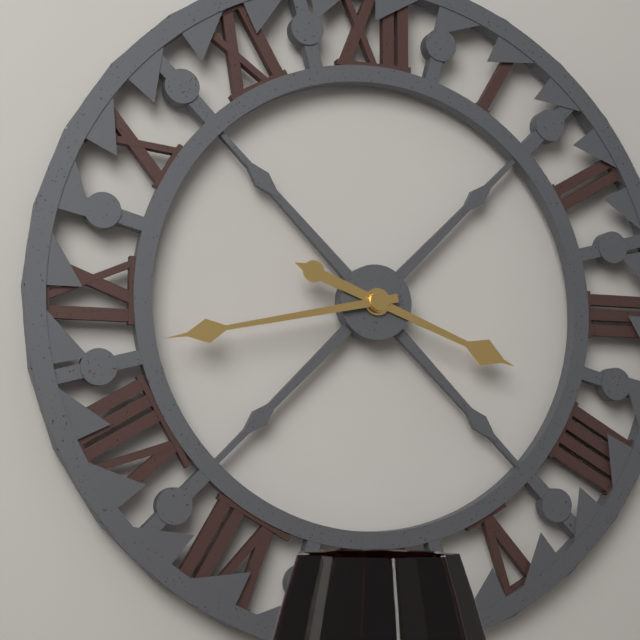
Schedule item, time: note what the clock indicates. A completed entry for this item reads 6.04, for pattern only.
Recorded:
3.43
